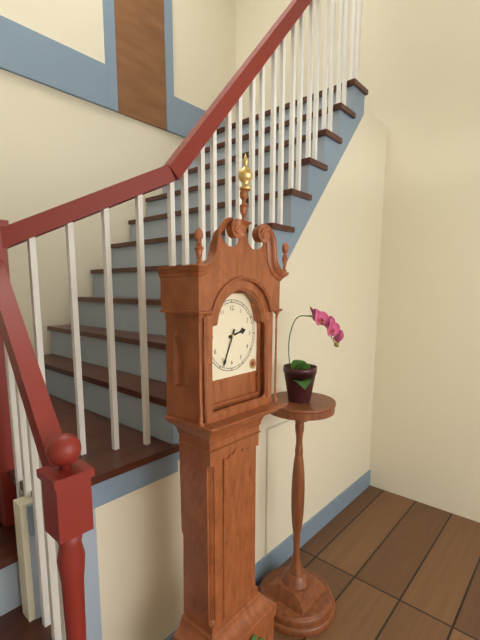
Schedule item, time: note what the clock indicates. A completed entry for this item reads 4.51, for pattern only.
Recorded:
2.34
